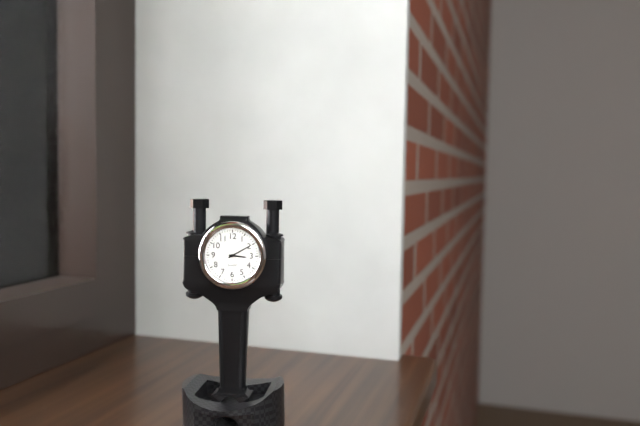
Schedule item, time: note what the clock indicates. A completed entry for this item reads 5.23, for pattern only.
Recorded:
3.10
